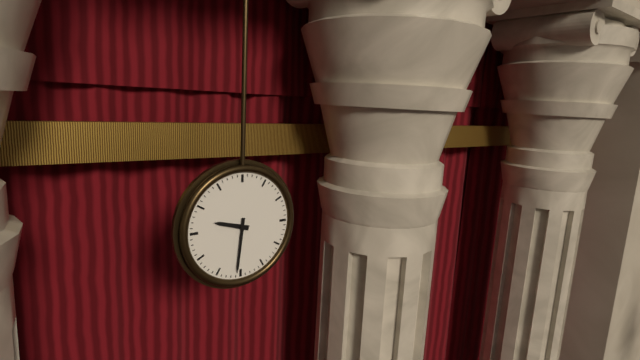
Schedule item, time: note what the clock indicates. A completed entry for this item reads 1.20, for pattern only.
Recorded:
9.31
